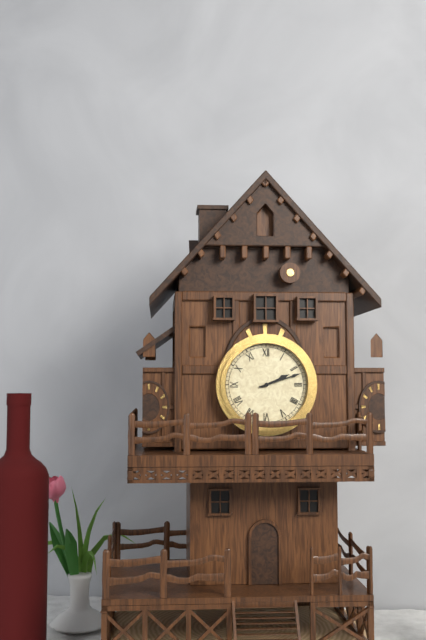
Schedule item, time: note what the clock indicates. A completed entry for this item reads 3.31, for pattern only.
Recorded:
2.12
